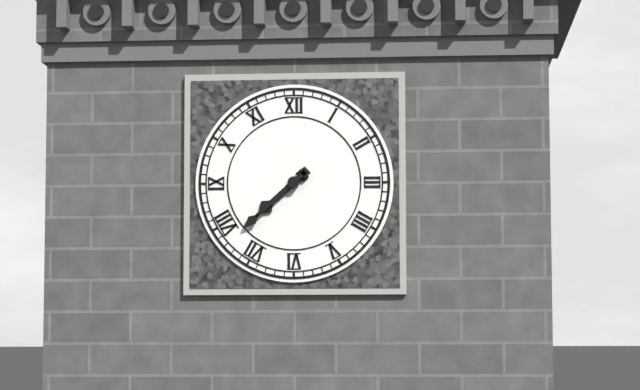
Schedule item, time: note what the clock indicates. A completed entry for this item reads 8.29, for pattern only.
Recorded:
7.38
